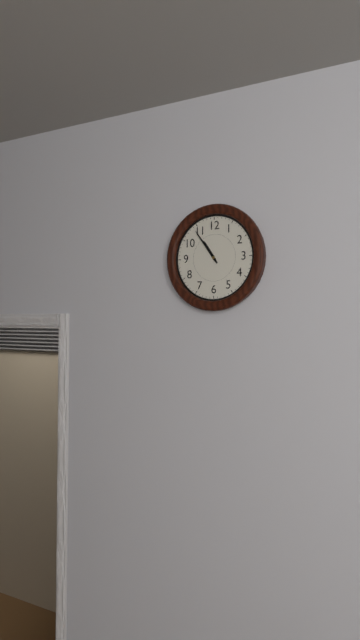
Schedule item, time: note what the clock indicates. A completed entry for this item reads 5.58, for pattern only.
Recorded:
10.54
